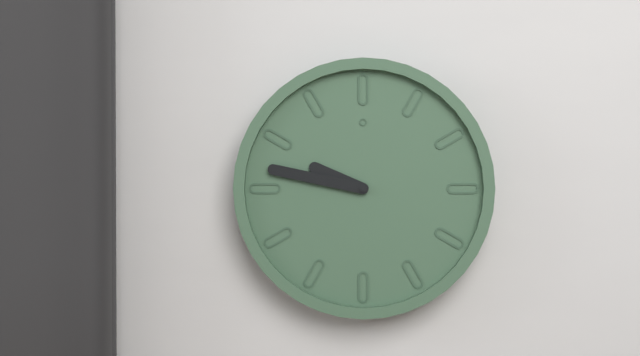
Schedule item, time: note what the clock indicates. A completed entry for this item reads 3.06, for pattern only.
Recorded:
9.47
